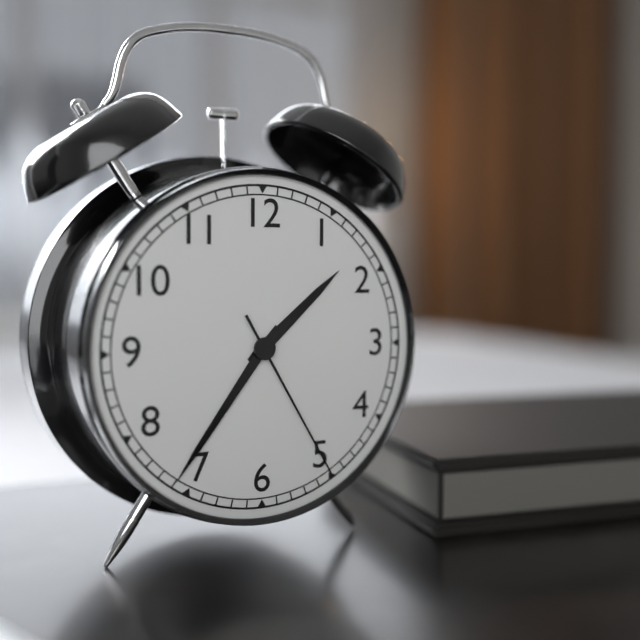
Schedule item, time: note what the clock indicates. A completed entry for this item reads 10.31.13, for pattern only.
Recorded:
1.36.25
